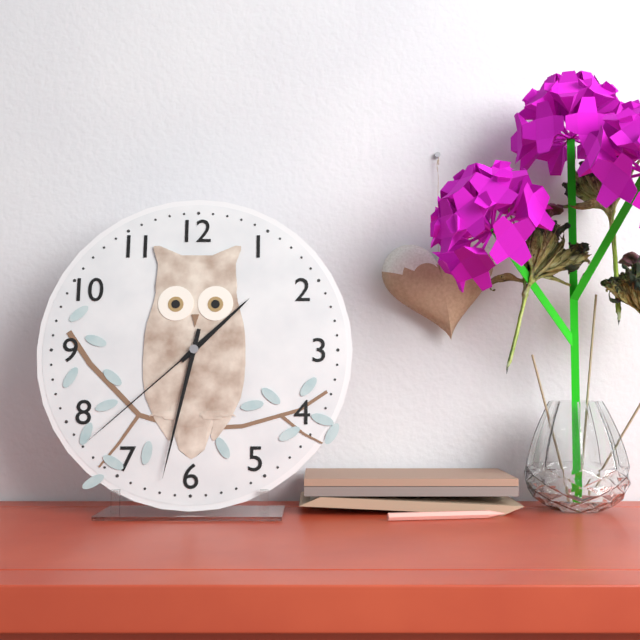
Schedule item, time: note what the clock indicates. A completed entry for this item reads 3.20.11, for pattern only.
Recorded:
1.32.38
